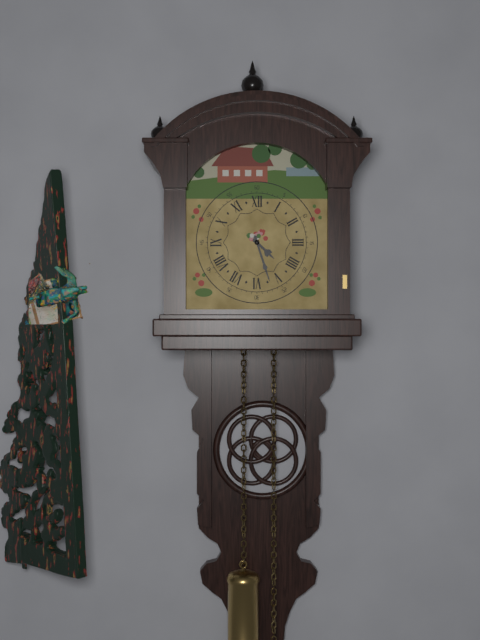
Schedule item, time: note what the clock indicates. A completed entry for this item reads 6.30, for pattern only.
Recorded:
4.27
